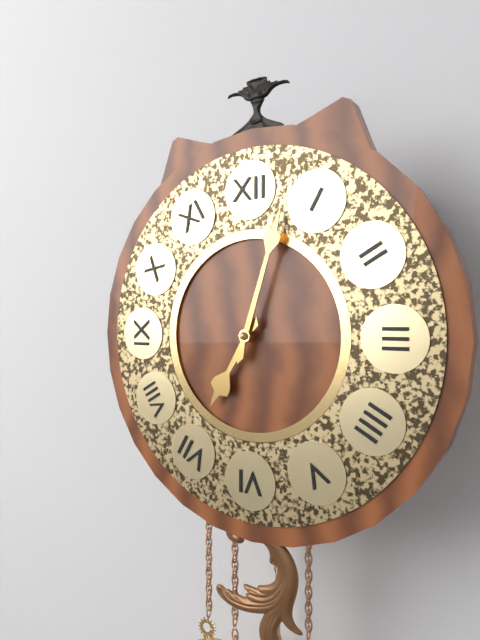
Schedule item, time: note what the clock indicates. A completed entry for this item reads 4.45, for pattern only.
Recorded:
7.03
